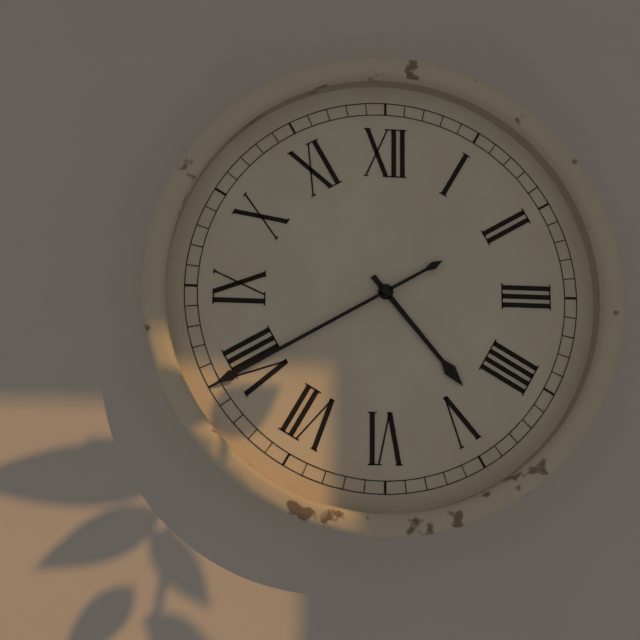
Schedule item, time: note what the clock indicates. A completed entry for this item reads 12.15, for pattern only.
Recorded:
4.40
